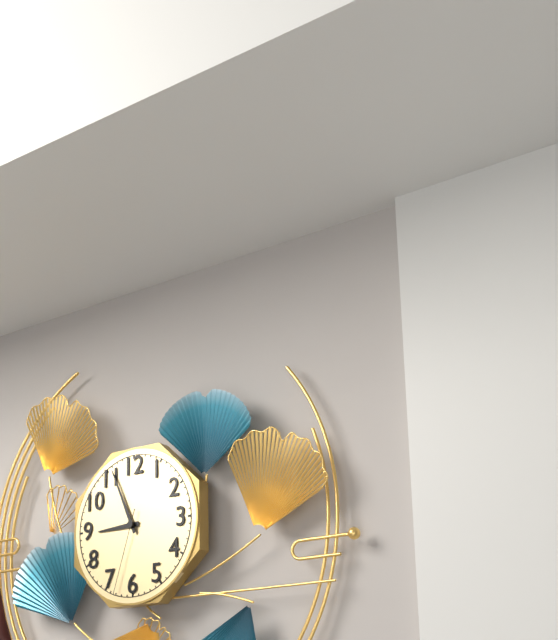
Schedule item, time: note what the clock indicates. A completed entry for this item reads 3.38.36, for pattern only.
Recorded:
8.56.33
